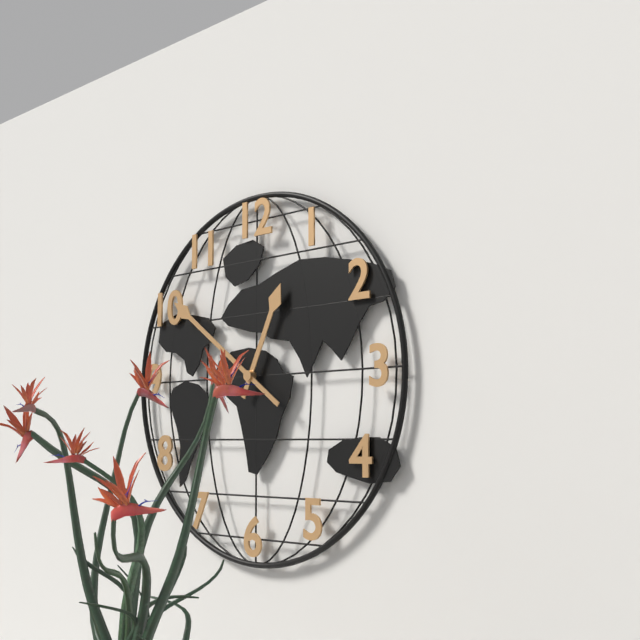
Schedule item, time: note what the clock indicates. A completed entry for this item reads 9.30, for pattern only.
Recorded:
12.51
